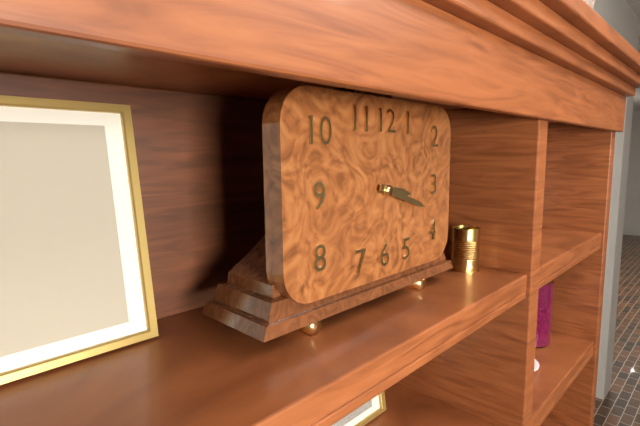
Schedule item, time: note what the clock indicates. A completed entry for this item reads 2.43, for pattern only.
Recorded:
3.18
